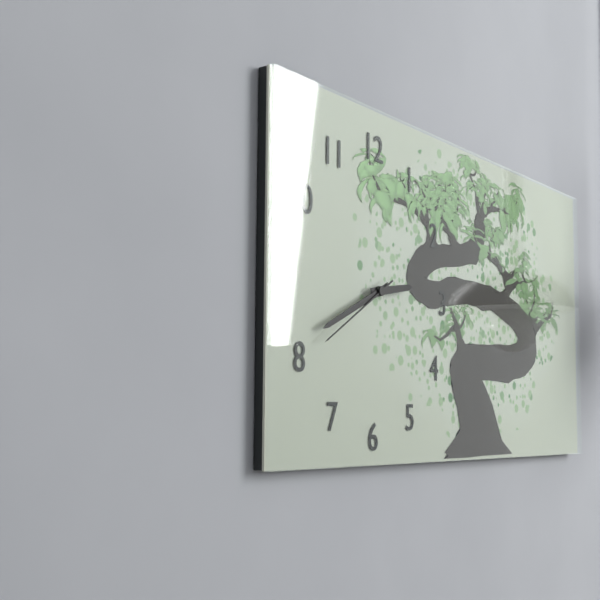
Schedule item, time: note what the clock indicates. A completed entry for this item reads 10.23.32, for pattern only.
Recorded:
2.41.40
